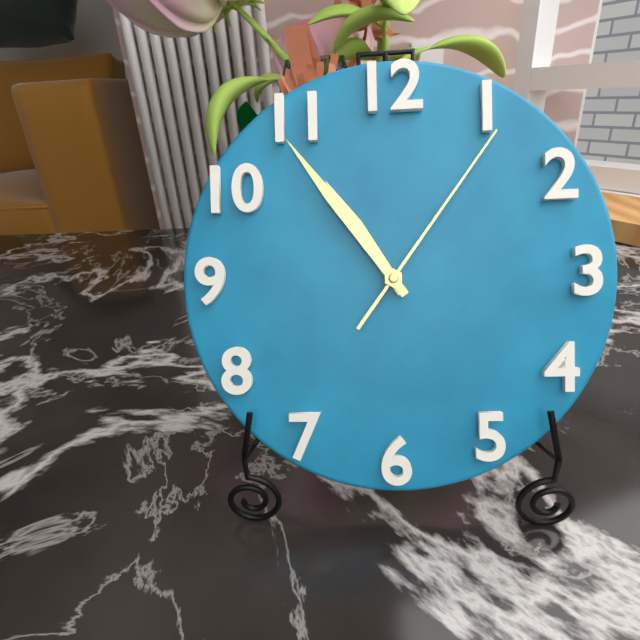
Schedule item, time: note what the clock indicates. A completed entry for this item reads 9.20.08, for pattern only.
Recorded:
10.54.06
